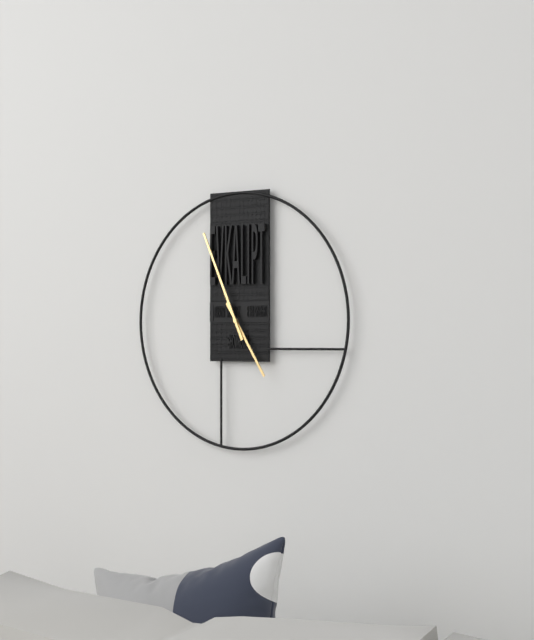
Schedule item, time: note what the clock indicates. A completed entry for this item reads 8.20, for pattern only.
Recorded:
4.56
